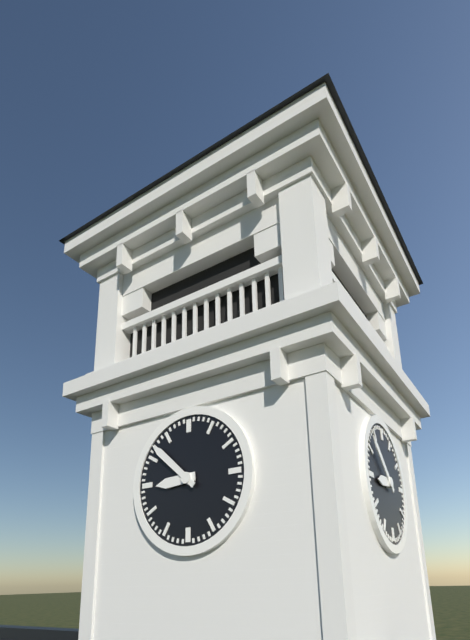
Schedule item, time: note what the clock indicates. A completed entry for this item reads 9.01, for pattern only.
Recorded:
8.52
